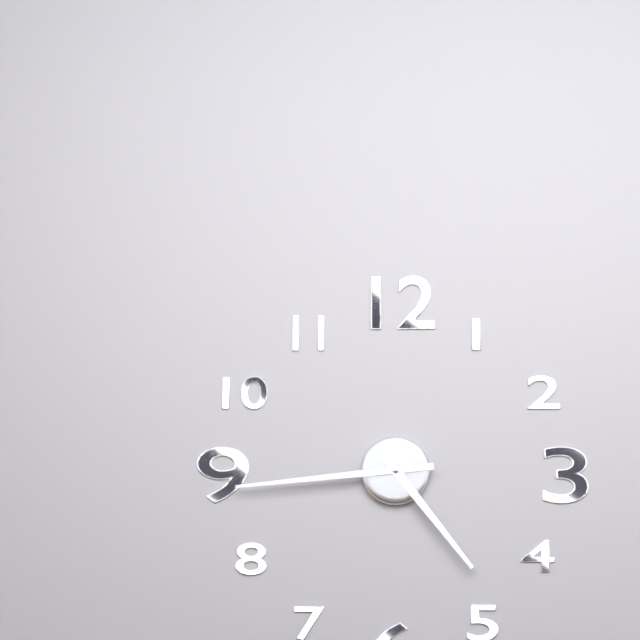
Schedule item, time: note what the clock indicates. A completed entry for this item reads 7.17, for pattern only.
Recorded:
4.44
